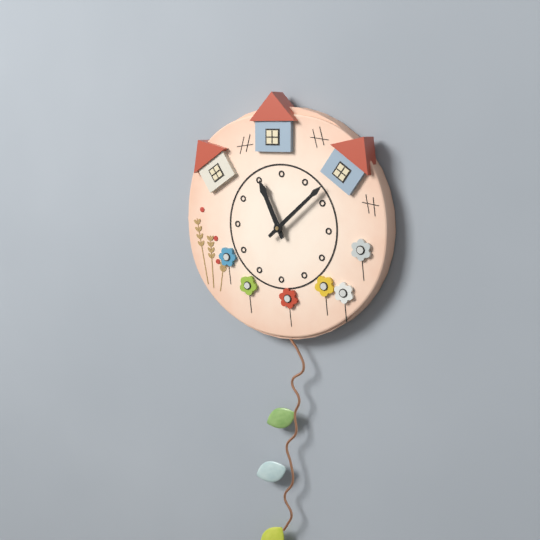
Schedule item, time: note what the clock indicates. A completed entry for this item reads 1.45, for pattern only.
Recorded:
11.08
